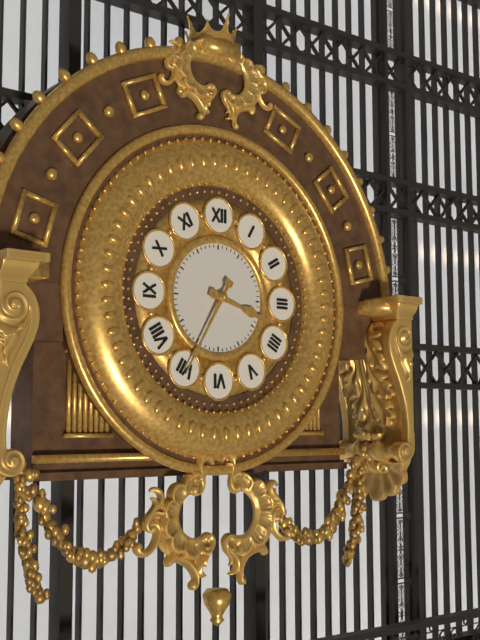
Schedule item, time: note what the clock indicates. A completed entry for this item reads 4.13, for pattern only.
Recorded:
3.35
